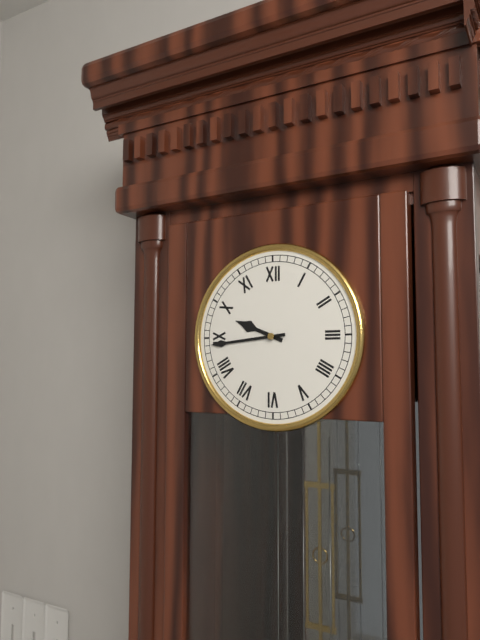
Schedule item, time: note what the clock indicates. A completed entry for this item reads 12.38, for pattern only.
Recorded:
9.44
